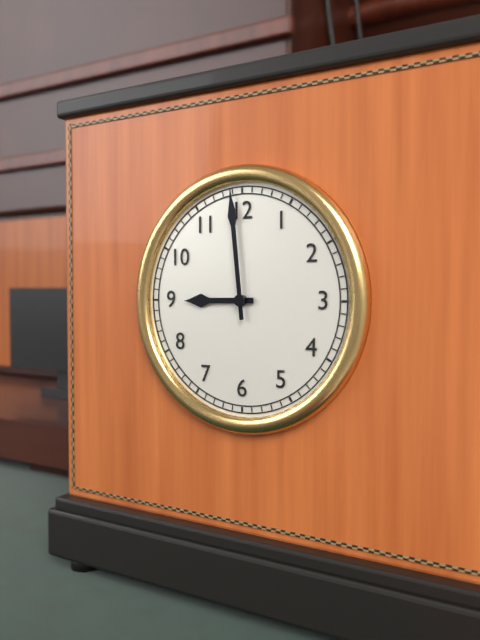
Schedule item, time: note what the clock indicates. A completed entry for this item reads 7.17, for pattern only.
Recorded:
8.59
